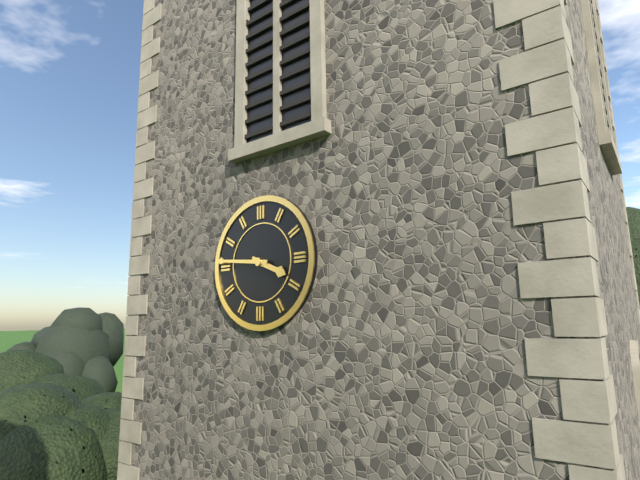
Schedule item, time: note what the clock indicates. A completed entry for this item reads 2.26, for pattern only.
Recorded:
3.46
